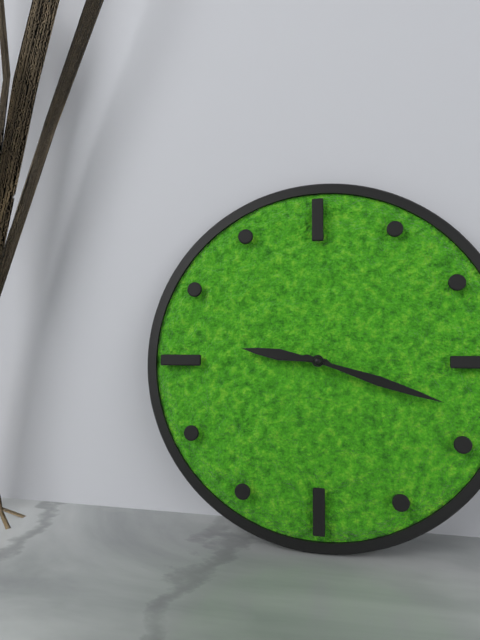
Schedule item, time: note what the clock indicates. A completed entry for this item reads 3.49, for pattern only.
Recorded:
9.18
